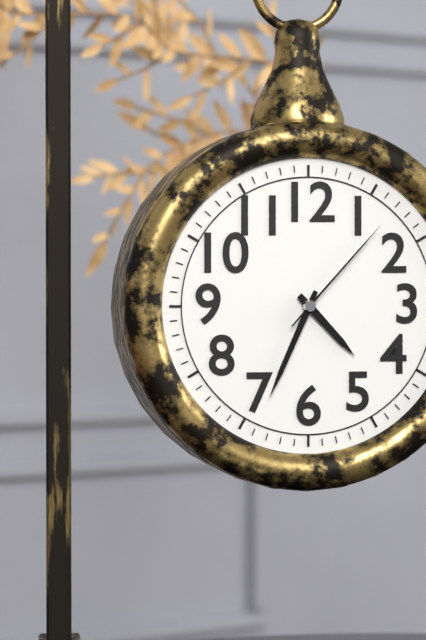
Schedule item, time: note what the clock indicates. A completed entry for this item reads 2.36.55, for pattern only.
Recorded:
4.34.07
